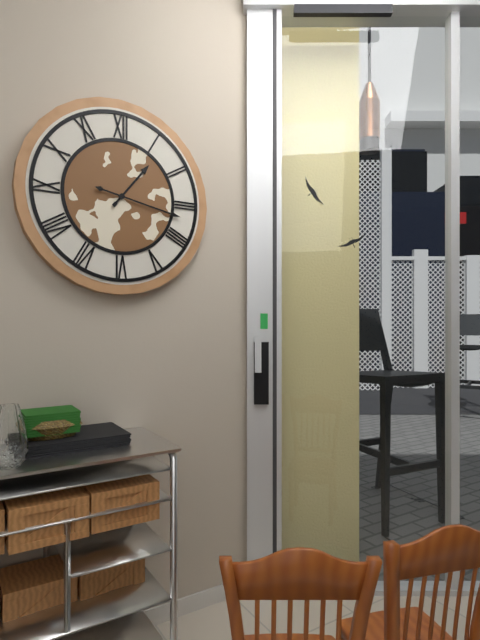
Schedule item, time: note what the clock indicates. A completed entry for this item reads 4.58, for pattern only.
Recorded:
1.17
